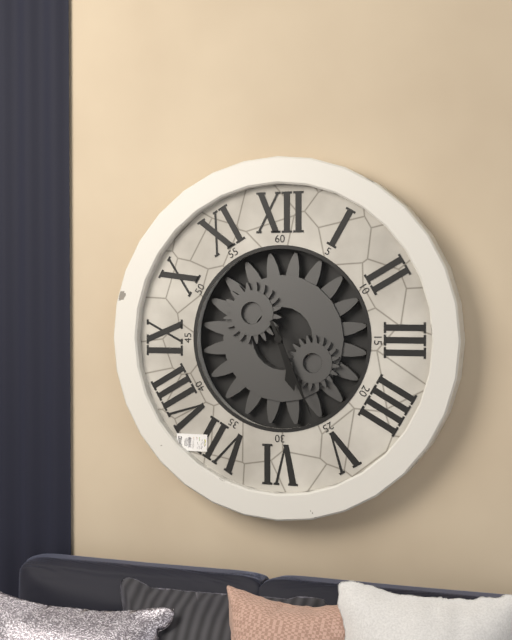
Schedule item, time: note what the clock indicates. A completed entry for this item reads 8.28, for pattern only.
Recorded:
5.26
